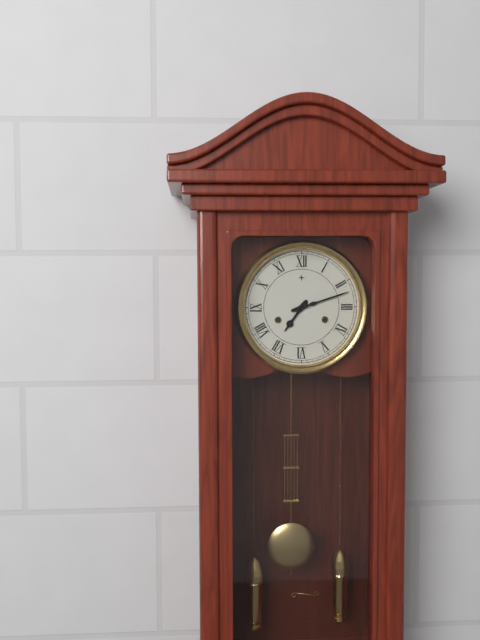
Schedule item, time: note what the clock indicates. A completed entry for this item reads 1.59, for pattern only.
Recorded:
7.12
